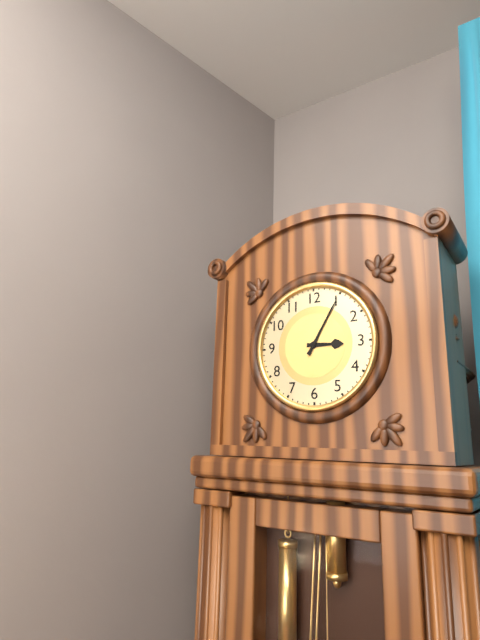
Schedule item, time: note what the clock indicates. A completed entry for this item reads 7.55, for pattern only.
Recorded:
3.05
